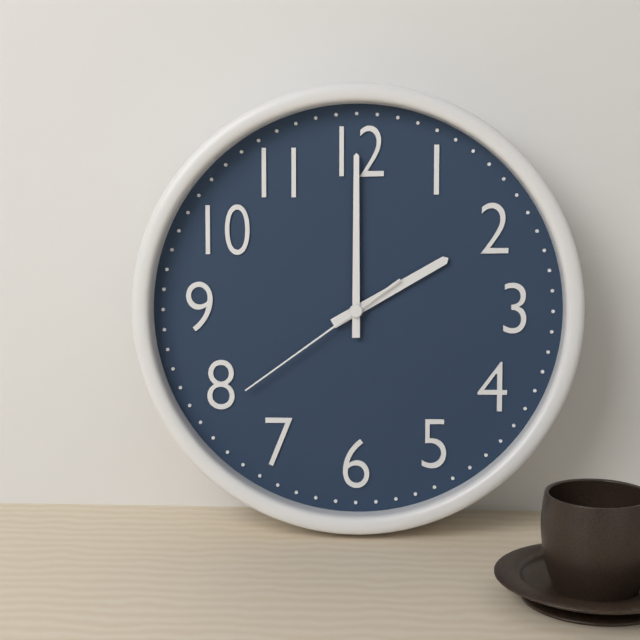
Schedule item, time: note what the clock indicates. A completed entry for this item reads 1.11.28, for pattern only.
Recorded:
2.00.39
